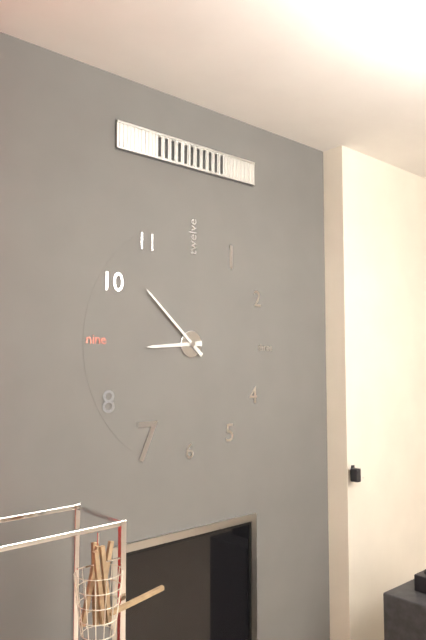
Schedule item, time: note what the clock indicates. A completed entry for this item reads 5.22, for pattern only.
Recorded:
8.52
